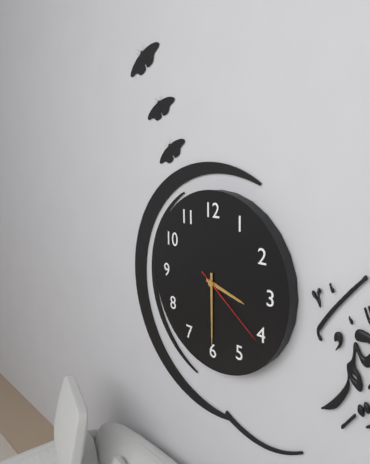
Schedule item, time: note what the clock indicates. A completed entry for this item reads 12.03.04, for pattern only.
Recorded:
3.30.21
